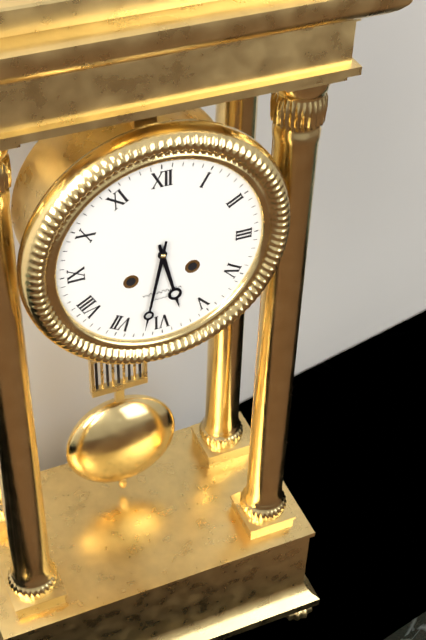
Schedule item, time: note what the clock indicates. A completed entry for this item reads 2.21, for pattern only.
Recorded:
5.32
